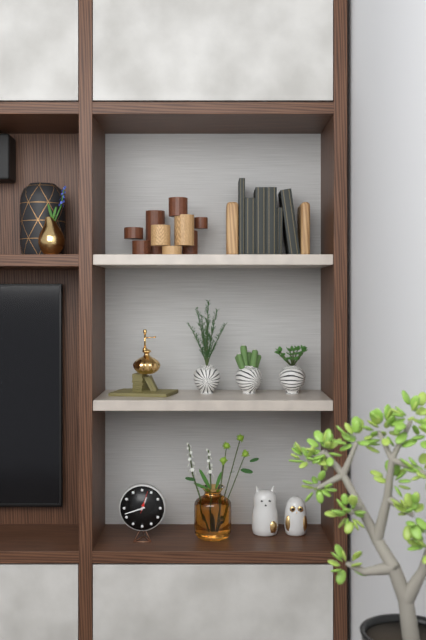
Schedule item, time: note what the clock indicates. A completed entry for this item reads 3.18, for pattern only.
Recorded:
12.42
